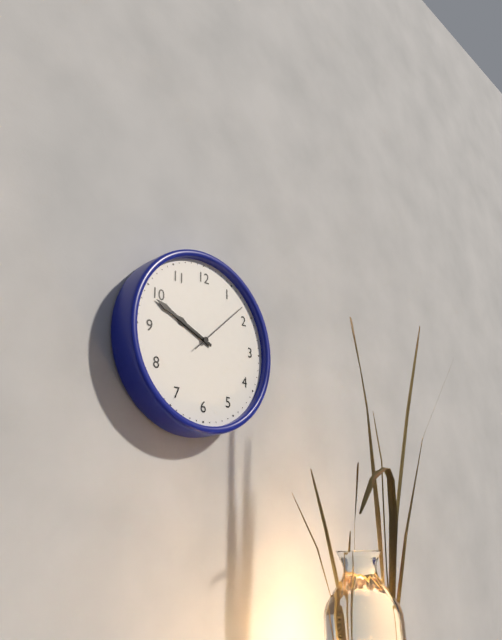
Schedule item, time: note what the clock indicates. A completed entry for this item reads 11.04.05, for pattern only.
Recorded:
9.49.08
